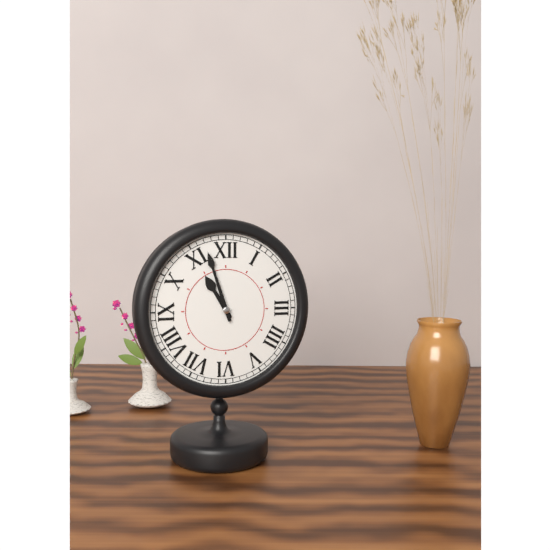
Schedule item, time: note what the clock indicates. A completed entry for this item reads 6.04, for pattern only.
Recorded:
10.57
